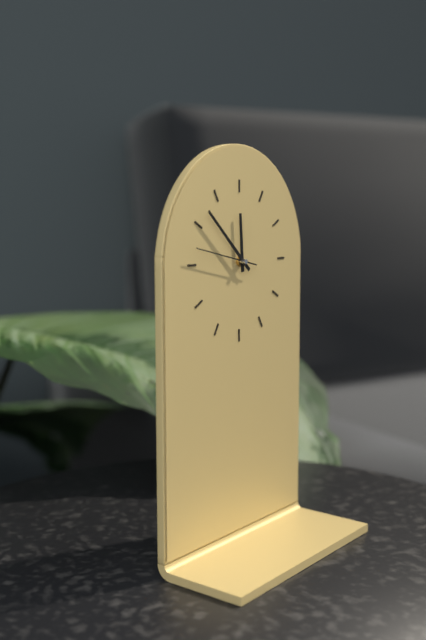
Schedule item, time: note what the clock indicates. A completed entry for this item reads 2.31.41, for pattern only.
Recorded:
11.52.47
